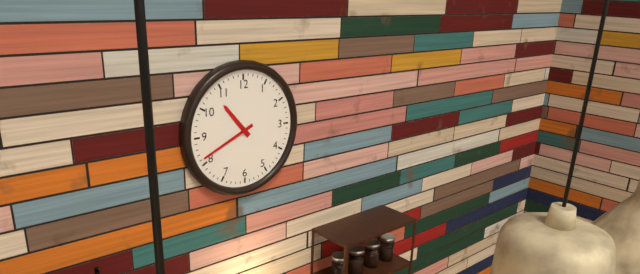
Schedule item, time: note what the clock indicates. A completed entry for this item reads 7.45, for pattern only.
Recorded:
10.41
